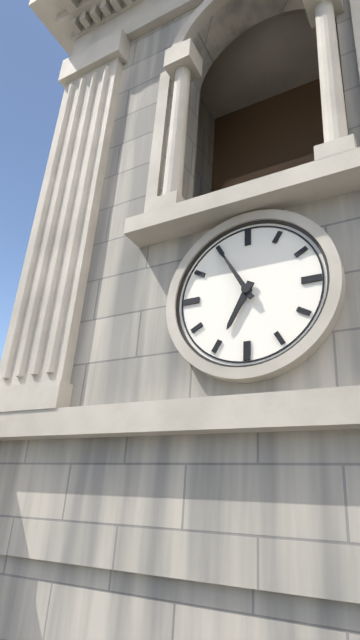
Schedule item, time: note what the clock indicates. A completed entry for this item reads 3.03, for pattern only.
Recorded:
6.55
